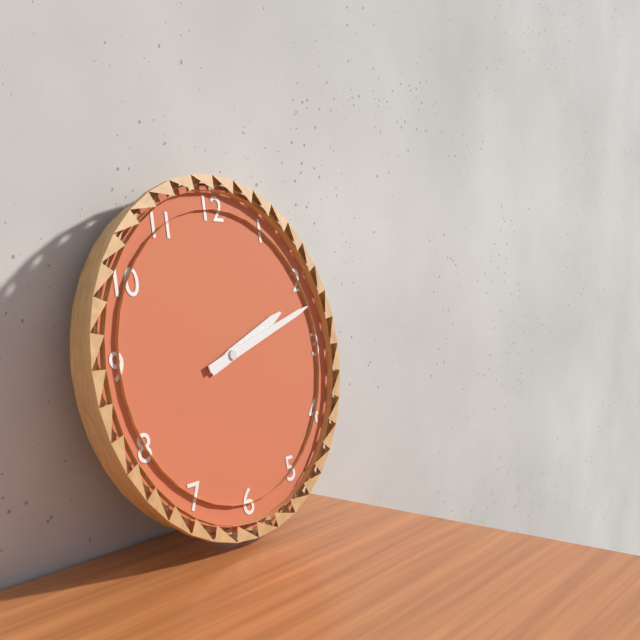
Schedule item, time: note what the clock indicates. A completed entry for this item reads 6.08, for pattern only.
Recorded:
2.12
